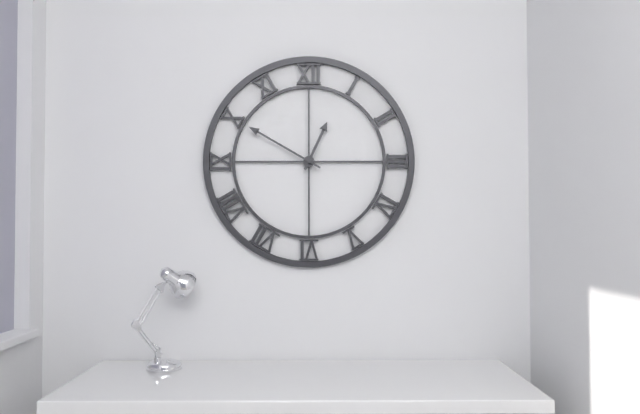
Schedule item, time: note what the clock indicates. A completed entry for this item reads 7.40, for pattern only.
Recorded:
12.50
